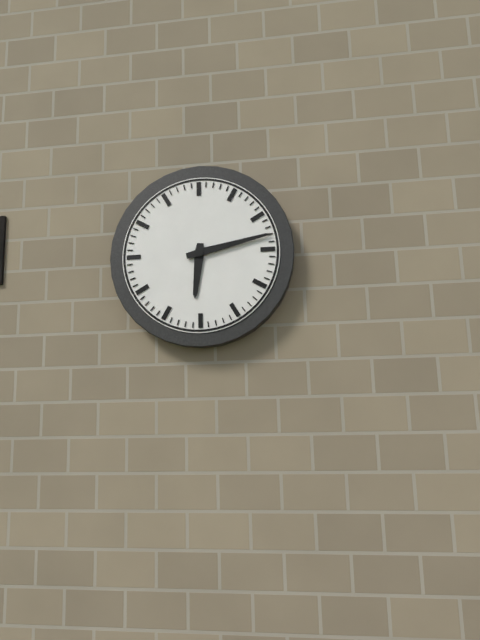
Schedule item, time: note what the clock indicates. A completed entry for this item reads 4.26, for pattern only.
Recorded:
6.13
